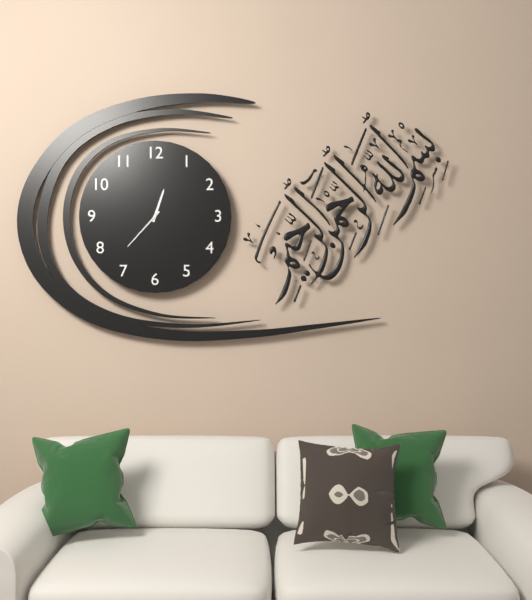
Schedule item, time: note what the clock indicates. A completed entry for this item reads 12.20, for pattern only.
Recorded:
12.37
